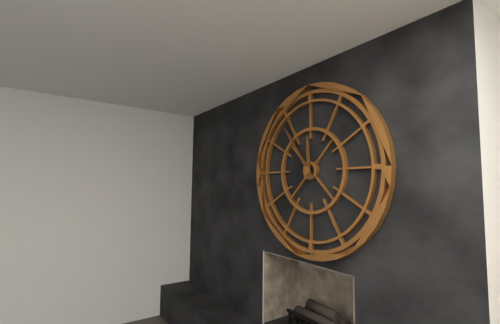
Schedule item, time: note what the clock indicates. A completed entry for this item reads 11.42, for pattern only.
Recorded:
11.54
